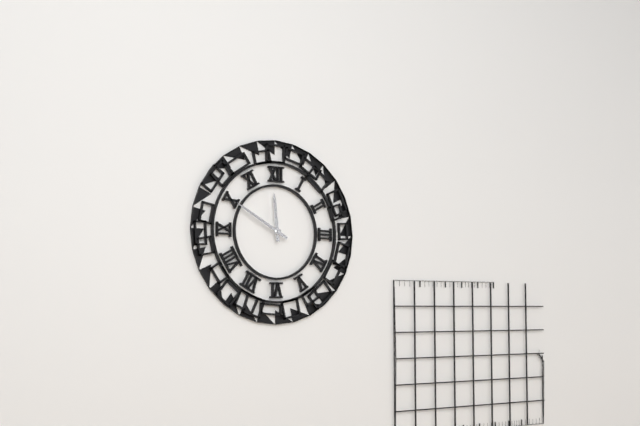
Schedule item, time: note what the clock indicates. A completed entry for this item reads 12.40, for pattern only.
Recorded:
11.50
